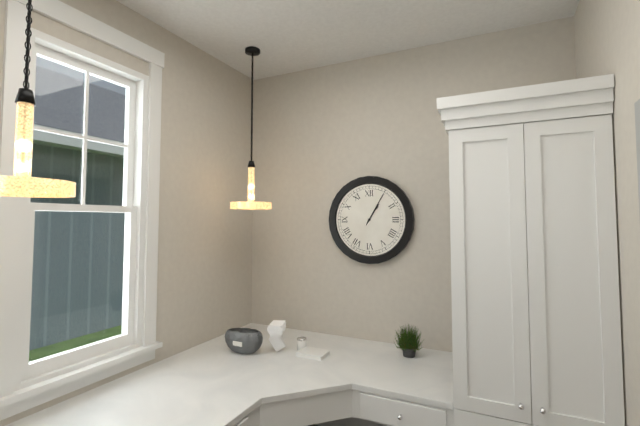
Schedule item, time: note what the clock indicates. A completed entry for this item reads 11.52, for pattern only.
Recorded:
1.05
